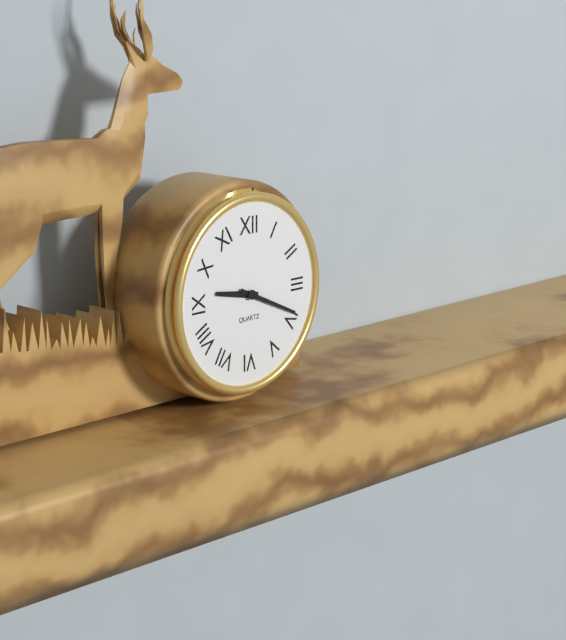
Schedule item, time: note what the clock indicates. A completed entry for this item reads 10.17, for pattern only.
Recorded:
9.19
